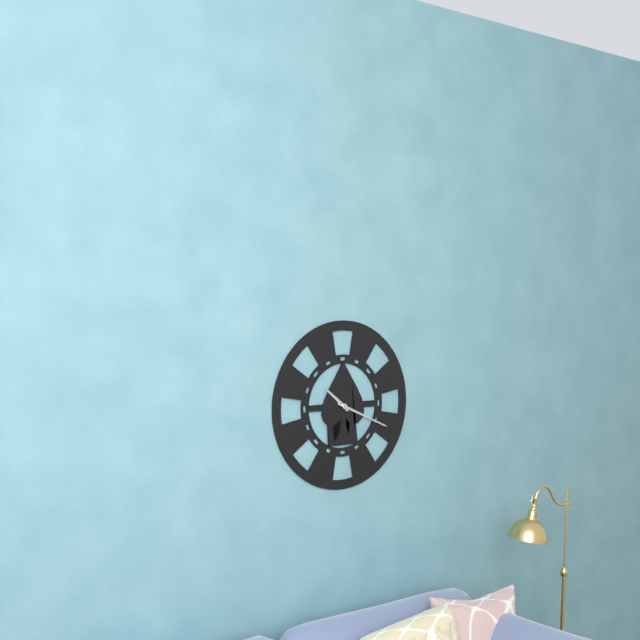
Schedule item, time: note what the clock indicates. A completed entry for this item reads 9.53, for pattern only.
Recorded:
10.19
